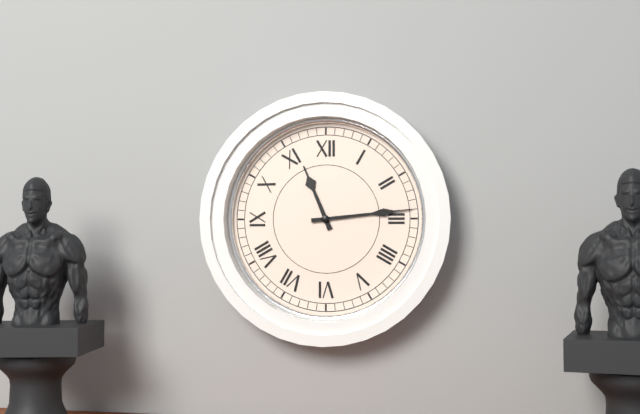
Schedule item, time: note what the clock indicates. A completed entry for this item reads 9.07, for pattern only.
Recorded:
11.14
